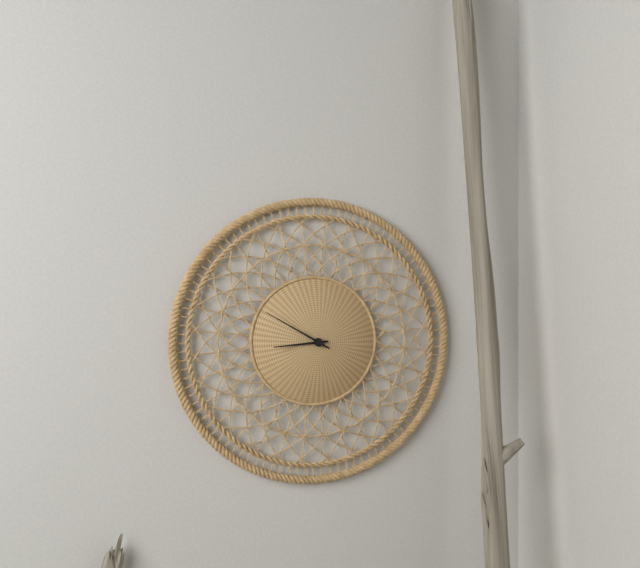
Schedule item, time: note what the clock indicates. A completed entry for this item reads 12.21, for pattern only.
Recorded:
8.50
